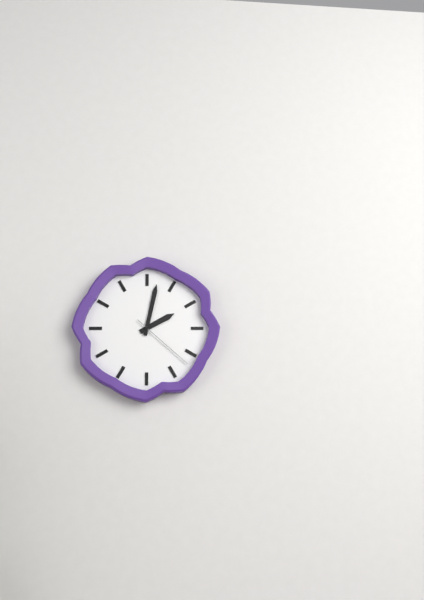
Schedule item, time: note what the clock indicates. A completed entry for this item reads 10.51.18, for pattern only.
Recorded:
2.02.22
